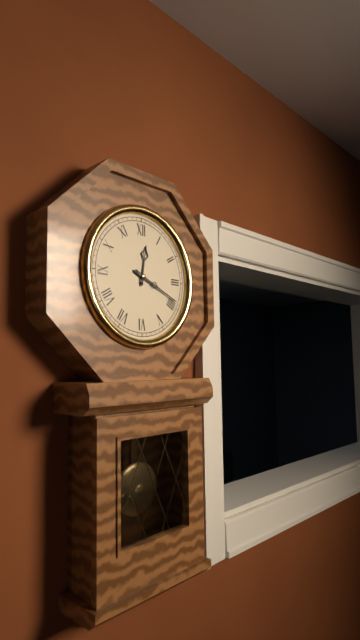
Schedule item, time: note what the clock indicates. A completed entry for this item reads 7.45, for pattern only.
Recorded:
12.19
